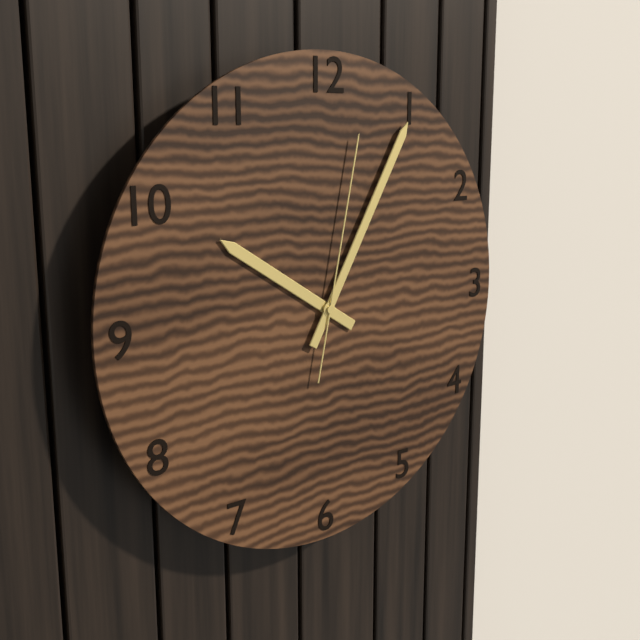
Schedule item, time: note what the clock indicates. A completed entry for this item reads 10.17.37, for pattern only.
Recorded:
10.05.02
